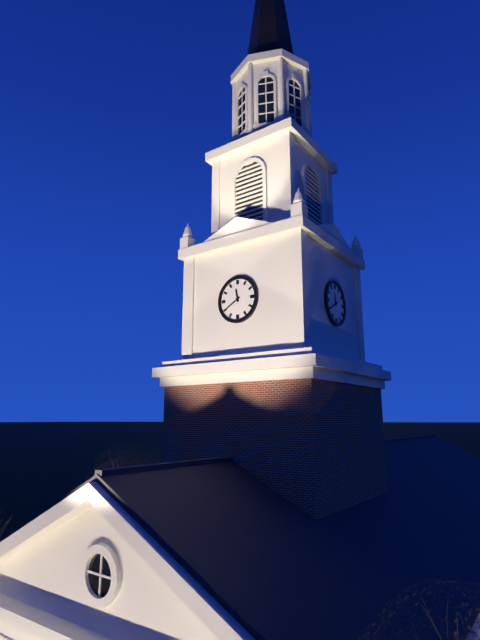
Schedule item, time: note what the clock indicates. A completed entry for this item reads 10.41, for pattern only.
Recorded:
11.40
